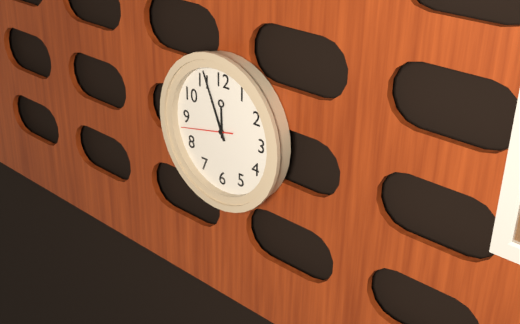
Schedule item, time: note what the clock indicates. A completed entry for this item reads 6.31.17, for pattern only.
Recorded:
11.56.43
